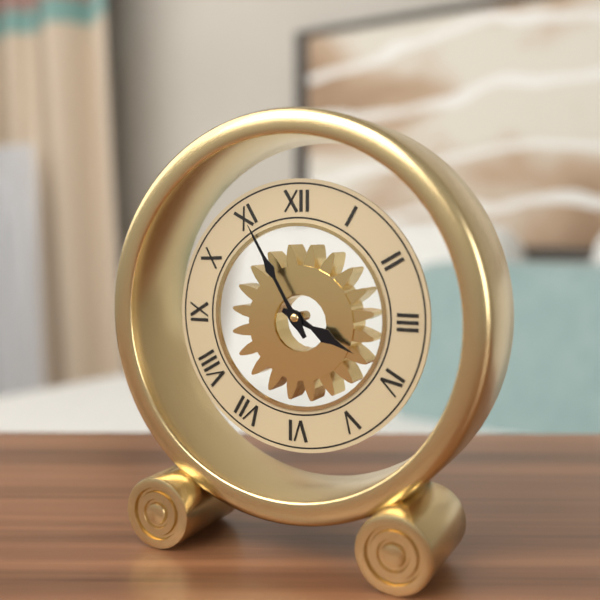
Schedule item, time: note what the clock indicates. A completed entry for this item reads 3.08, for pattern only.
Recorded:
3.55
